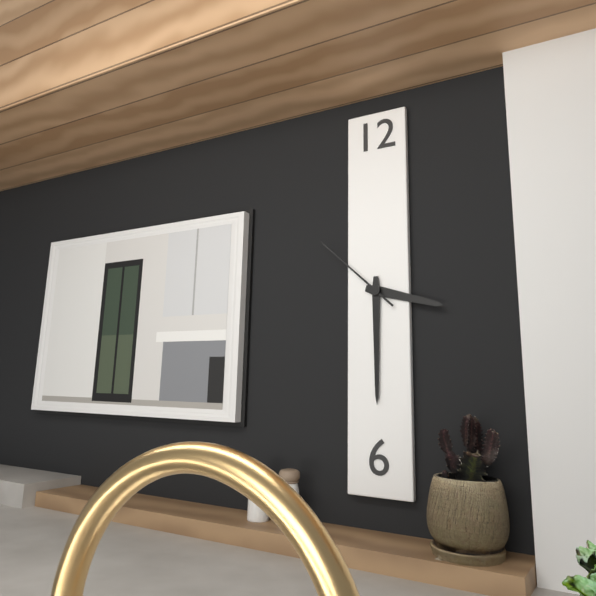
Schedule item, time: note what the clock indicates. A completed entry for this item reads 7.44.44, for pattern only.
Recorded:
3.30.52
